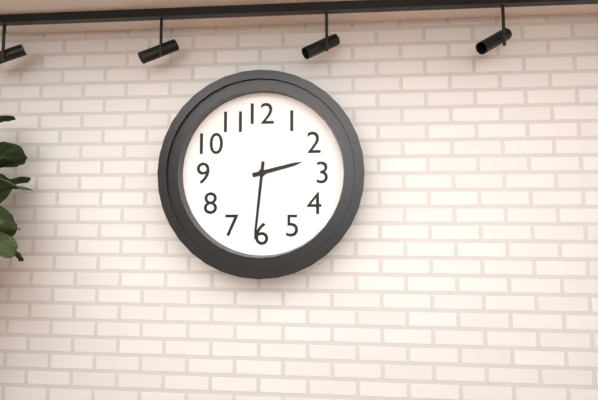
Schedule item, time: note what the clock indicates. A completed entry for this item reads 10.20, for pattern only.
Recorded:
2.31
